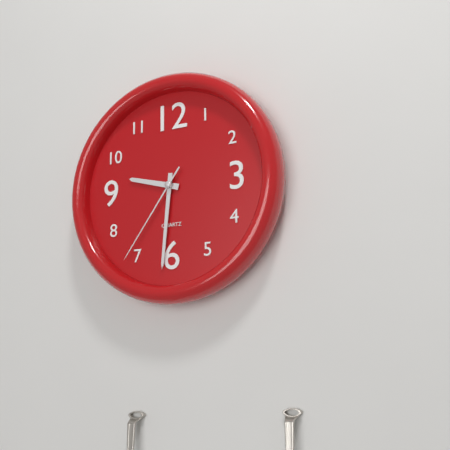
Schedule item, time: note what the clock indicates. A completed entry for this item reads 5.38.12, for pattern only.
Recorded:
9.31.36
